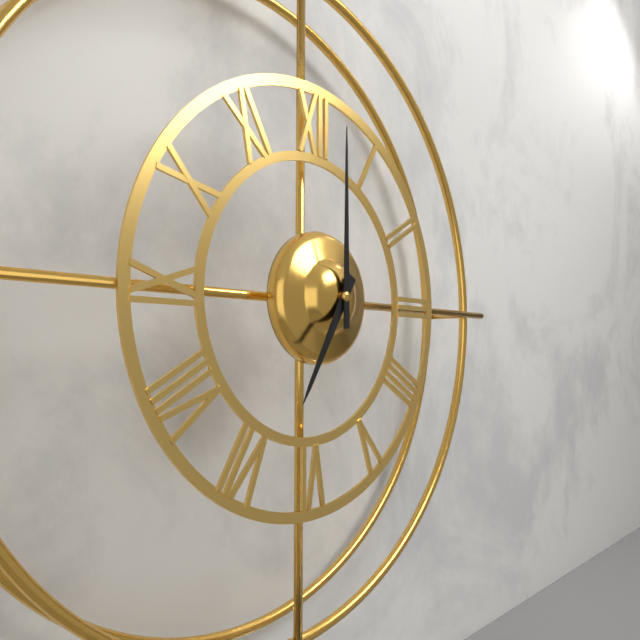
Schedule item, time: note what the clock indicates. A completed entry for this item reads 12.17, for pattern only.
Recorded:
7.00
